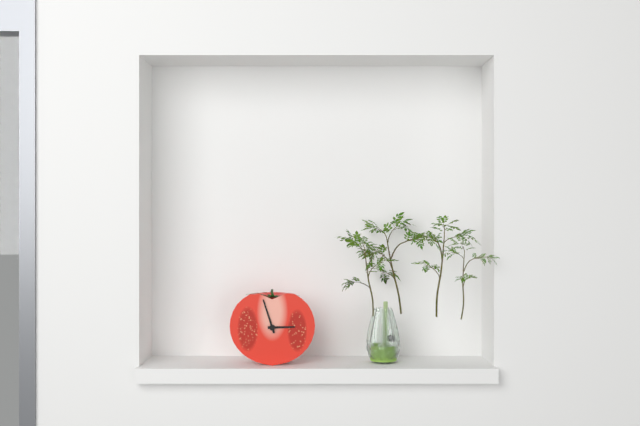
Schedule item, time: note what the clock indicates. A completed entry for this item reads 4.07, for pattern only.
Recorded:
2.57
